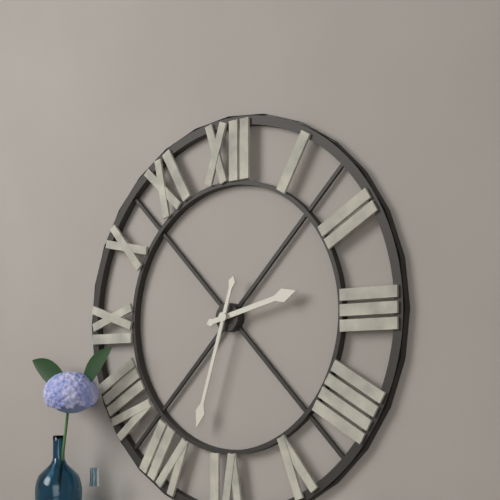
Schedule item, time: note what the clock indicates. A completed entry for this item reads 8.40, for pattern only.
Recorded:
2.33
